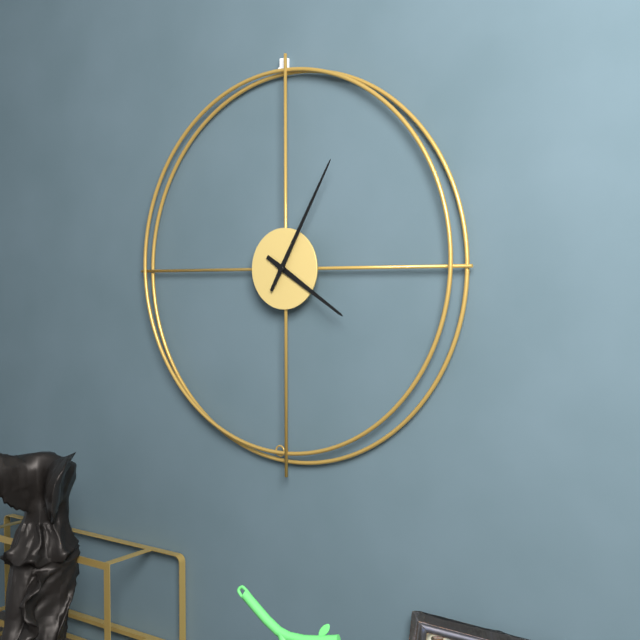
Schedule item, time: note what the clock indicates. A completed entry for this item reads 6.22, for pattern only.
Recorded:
4.05
